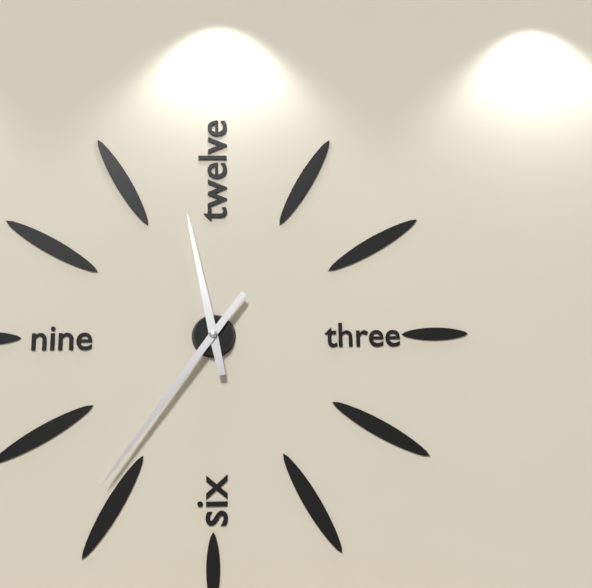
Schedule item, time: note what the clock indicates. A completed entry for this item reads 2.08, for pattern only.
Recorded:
11.36
